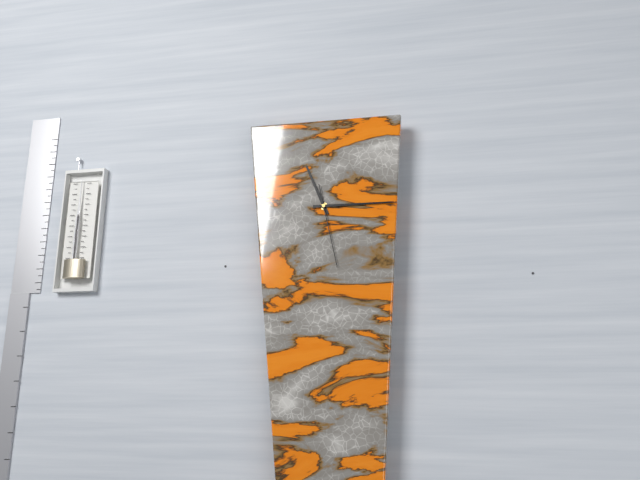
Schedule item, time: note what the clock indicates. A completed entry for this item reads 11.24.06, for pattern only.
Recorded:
11.15.28
